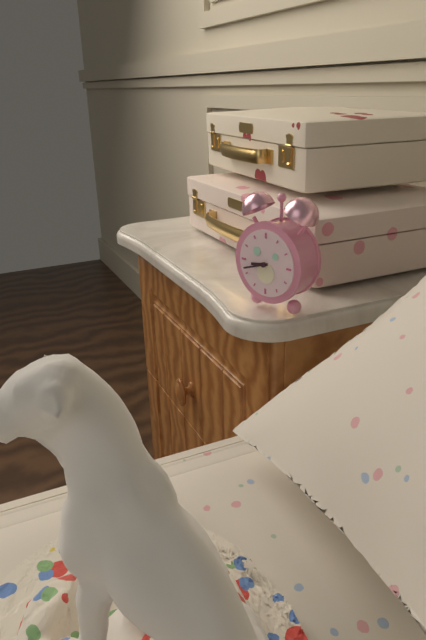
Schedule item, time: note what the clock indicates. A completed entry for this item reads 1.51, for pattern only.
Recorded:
8.42
